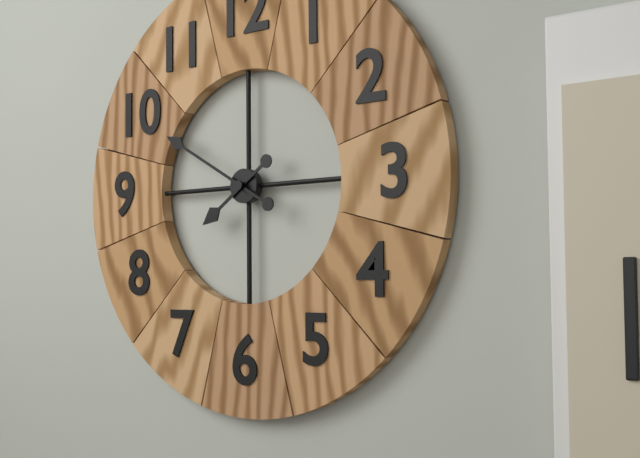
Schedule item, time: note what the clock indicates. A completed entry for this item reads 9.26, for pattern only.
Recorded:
7.50
